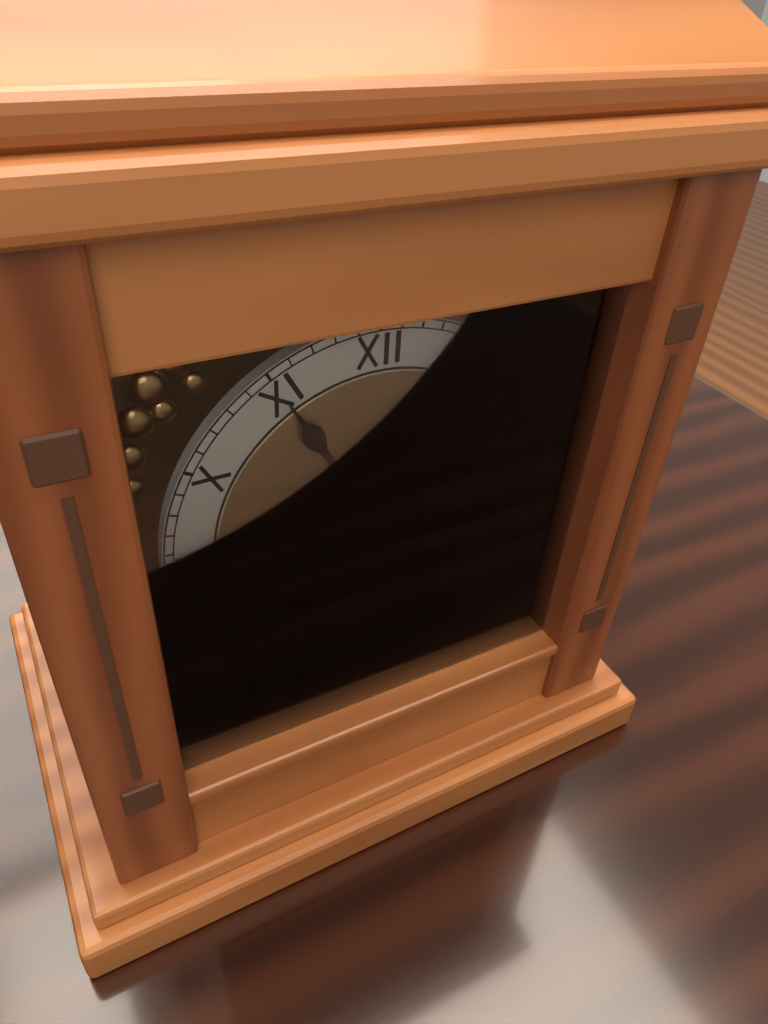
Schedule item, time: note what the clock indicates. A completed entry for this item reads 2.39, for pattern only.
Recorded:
7.55
